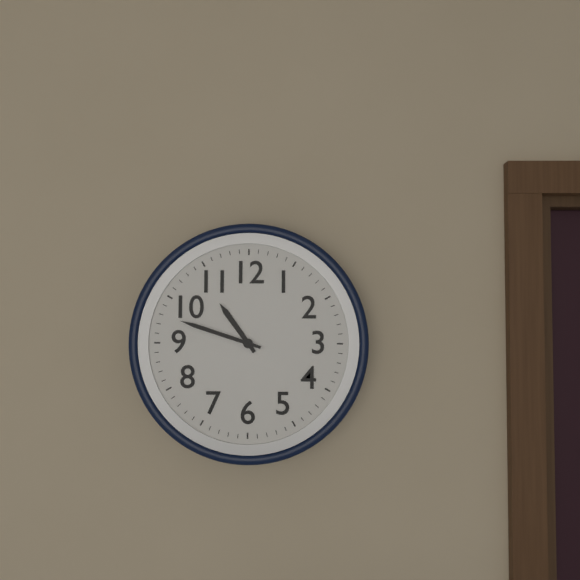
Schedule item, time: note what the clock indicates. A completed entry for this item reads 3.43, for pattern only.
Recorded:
10.48
